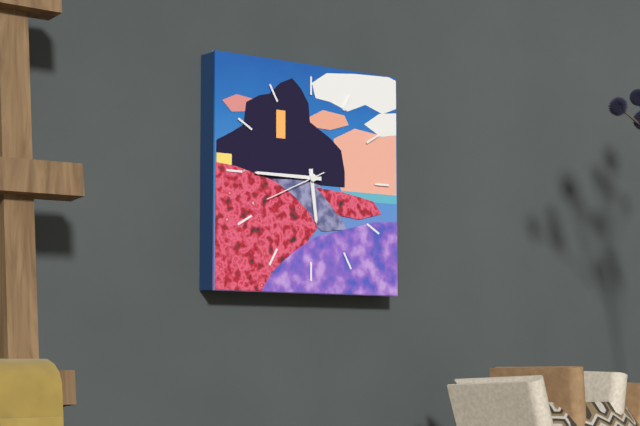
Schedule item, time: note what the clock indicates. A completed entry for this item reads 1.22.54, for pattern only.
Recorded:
5.45.41
